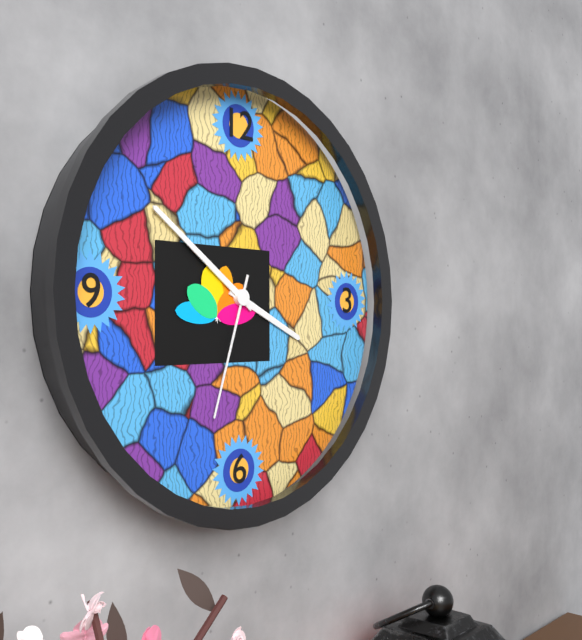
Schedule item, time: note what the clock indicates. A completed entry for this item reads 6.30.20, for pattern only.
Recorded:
3.51.33
